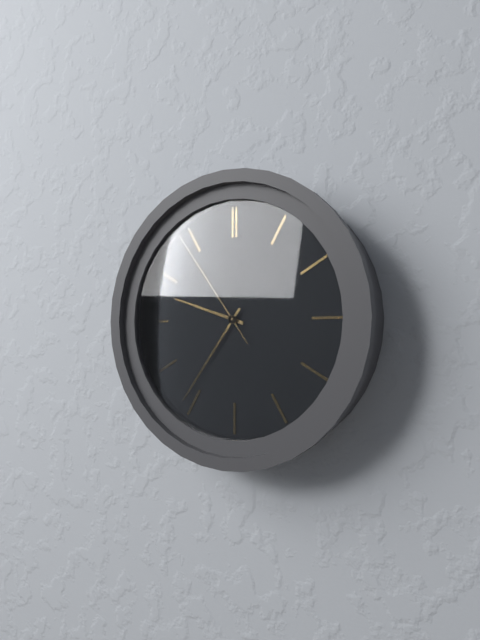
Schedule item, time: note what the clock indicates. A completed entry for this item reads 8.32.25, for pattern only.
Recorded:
9.36.54
